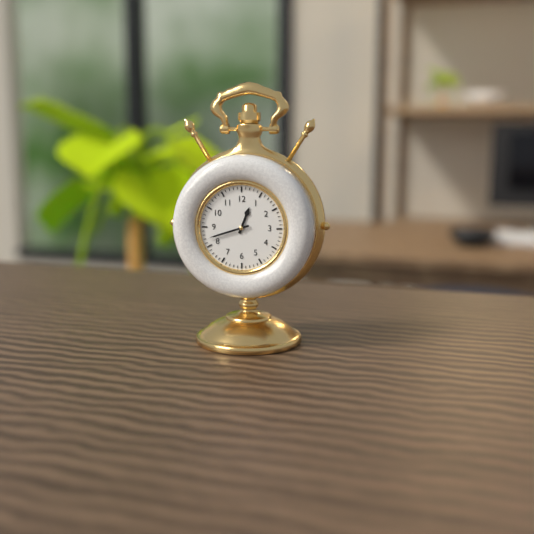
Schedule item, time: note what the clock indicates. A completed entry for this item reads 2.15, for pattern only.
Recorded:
12.42
